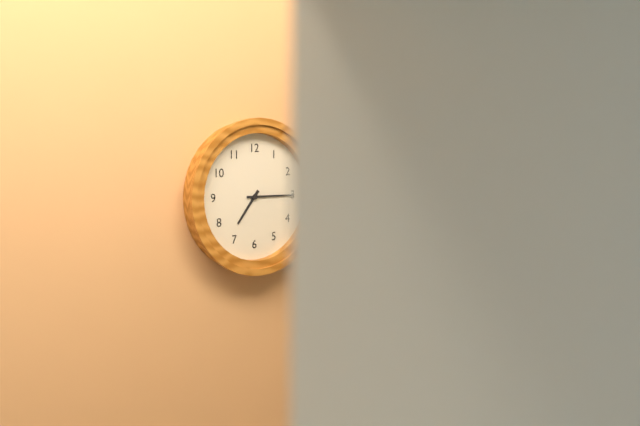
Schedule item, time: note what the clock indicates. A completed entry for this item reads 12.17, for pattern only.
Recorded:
7.15
